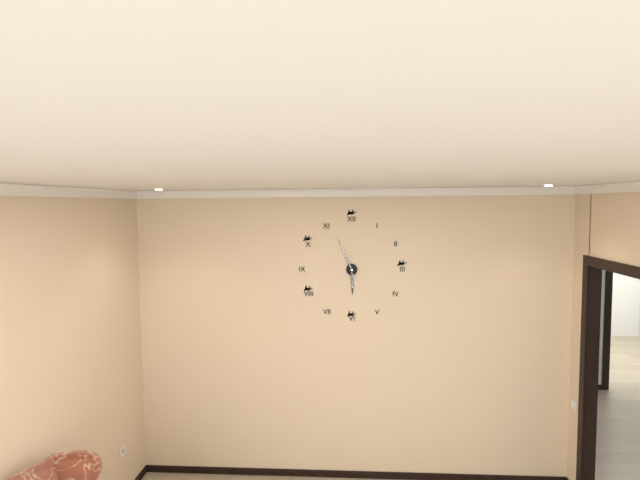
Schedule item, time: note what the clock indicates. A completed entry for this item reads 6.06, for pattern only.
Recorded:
5.56
